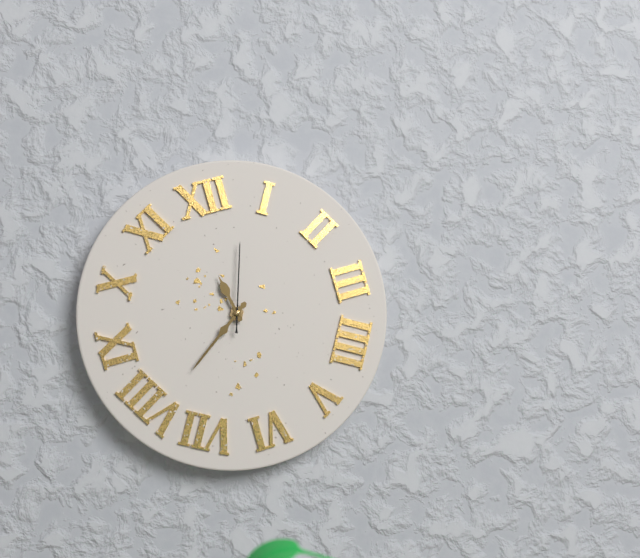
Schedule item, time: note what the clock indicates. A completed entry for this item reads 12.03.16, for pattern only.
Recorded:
11.39.03
